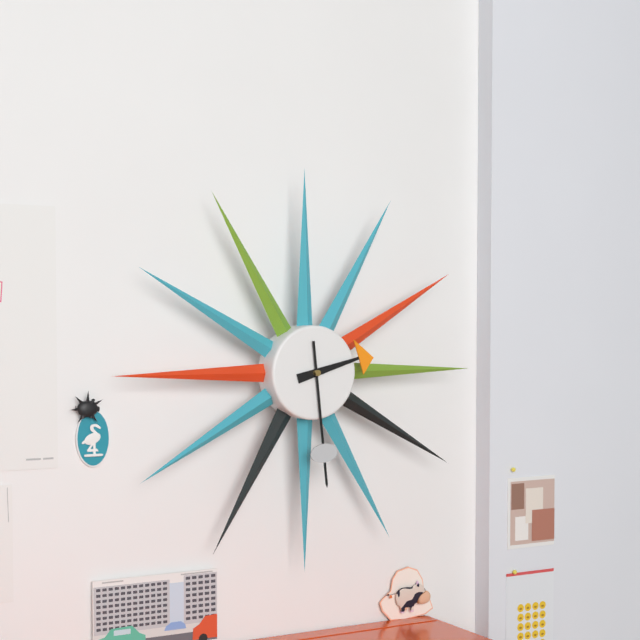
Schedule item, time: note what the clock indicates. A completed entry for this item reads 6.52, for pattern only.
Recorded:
2.29
